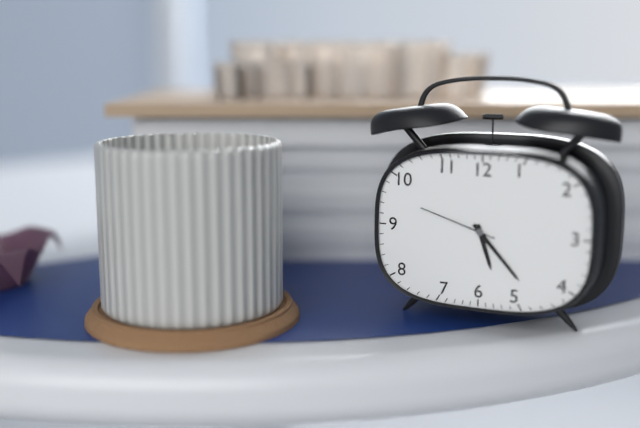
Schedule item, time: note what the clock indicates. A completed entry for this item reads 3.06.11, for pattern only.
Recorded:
5.23.48
